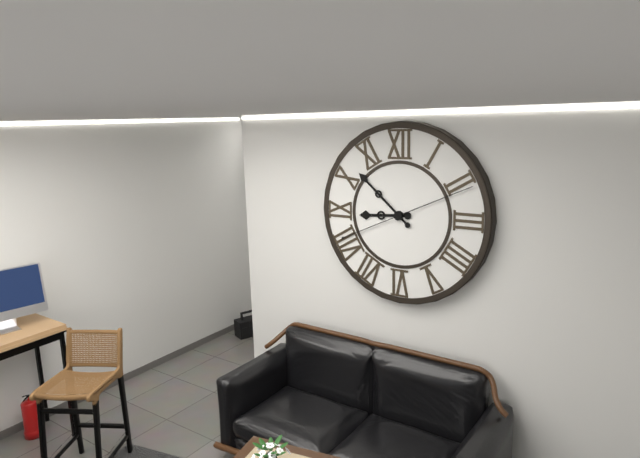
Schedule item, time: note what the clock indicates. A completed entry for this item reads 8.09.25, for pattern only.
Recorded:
8.52.11
